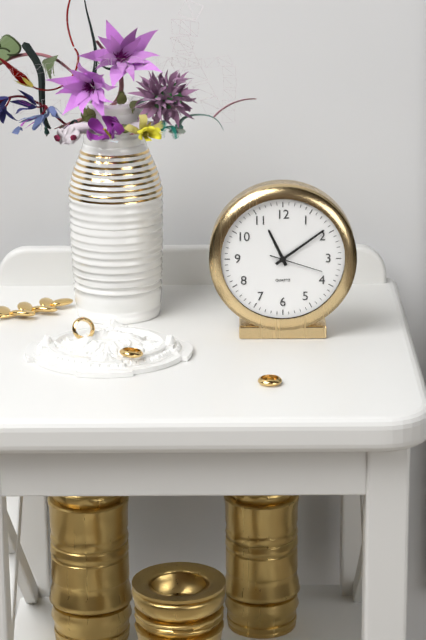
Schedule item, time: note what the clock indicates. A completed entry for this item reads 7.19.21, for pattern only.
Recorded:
11.09.18
